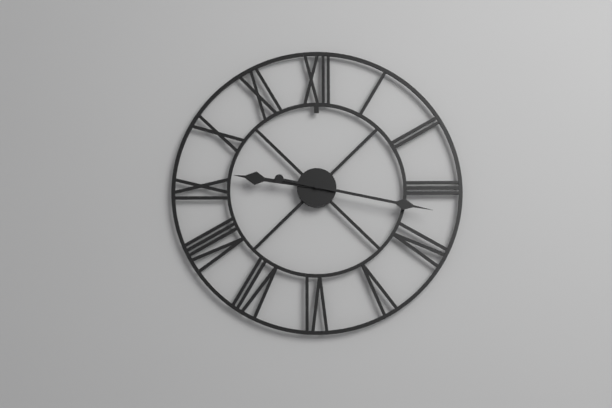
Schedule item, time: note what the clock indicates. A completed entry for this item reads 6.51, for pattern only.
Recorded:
9.17
